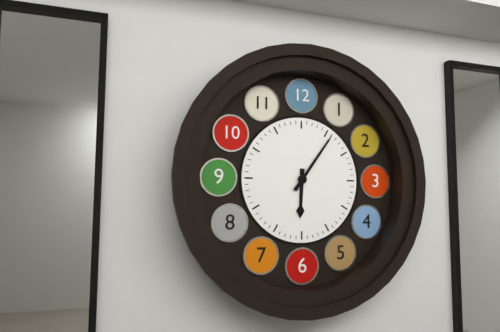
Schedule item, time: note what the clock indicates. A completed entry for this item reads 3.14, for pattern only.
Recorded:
6.06
